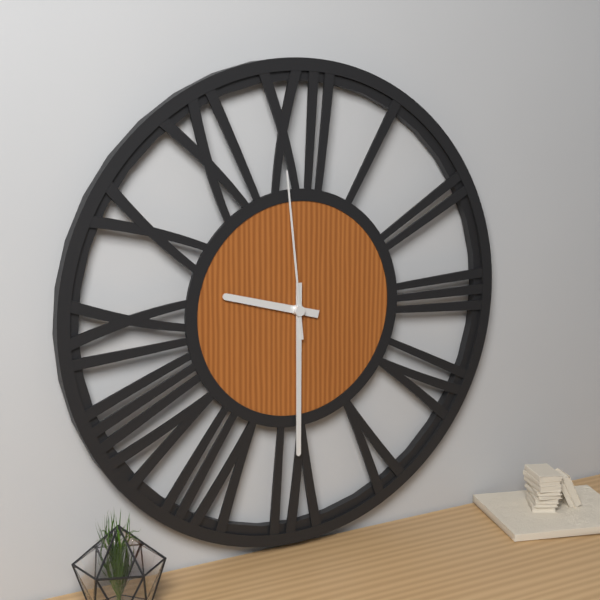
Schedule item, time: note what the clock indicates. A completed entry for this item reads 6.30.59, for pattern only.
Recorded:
9.30.59
